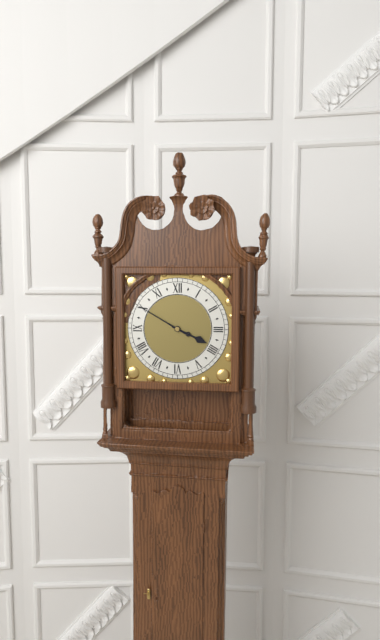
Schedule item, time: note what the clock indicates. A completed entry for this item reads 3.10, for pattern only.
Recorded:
3.50
